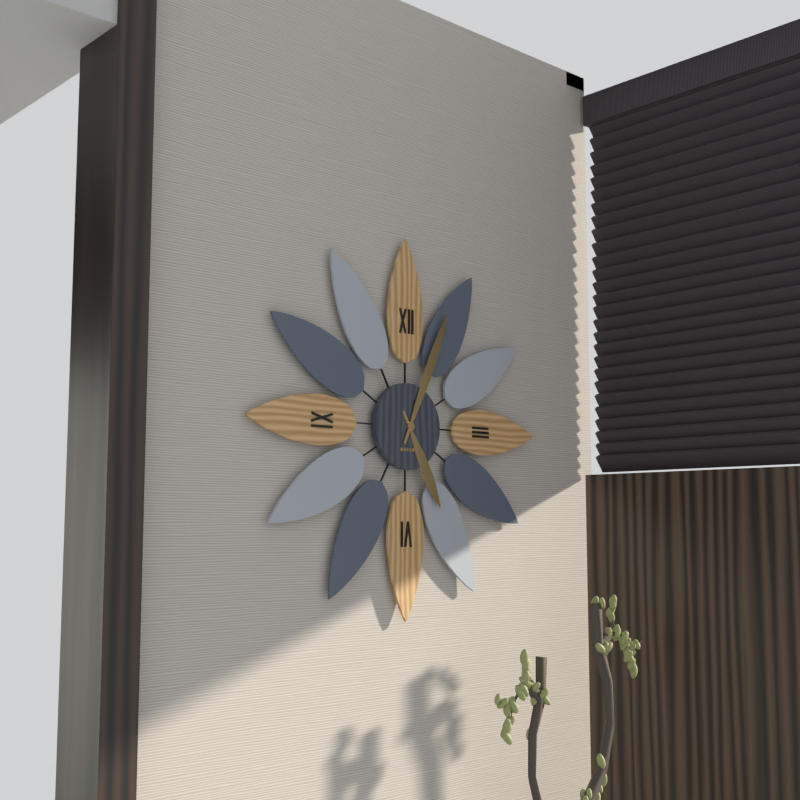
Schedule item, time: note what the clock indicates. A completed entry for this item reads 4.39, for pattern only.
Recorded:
5.04
